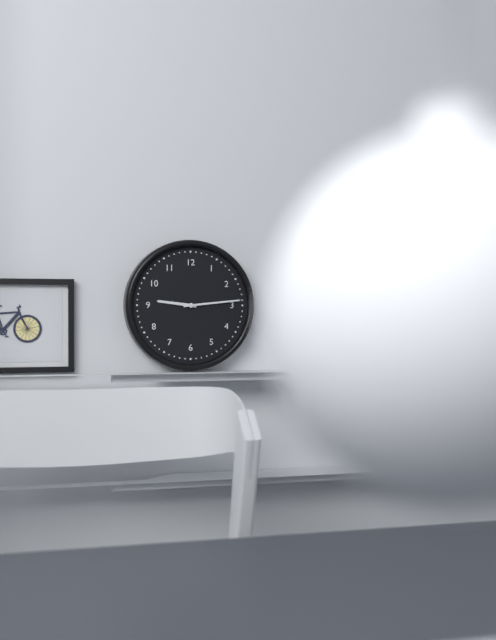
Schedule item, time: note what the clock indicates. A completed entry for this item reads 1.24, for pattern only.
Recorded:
9.14
